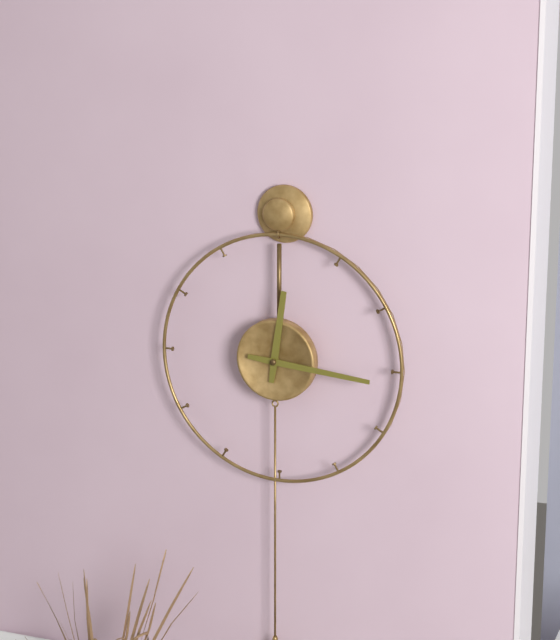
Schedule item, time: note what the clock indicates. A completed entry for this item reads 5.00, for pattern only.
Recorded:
12.16
